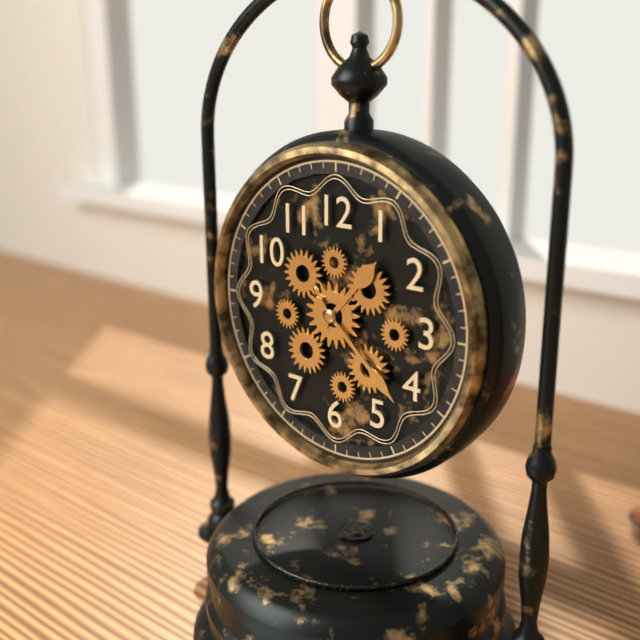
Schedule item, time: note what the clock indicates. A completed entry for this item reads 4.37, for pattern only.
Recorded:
1.22
